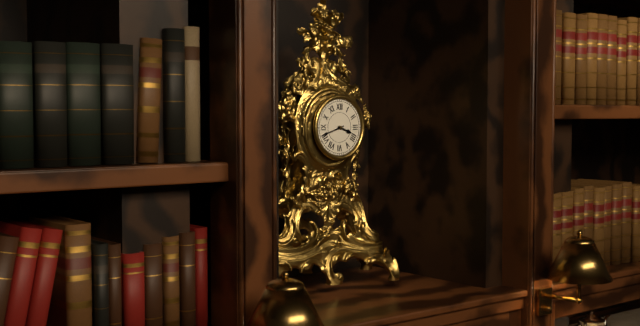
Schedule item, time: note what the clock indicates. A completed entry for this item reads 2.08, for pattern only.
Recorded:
3.42
